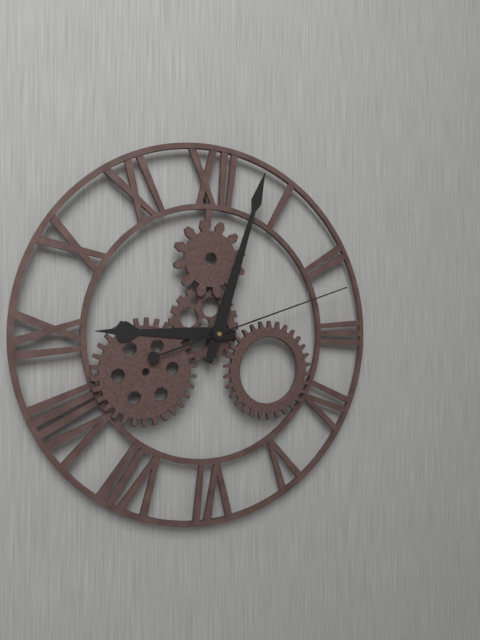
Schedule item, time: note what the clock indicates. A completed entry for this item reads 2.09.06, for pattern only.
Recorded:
9.03.12
